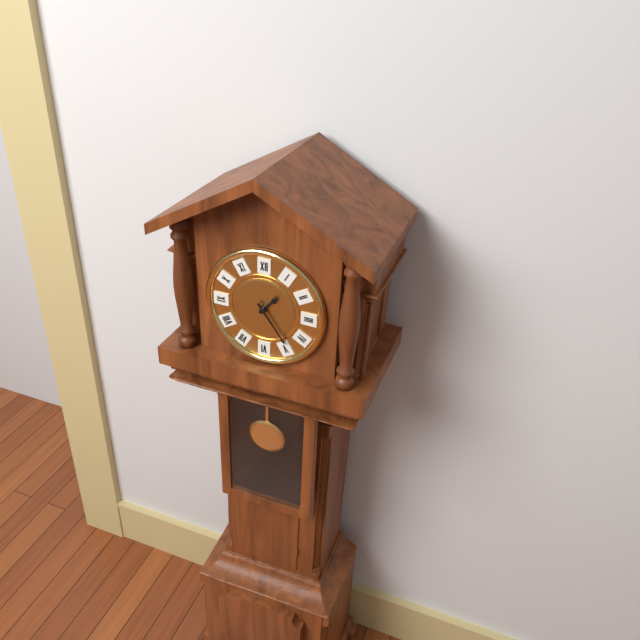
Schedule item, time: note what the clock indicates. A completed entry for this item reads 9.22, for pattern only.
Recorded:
1.24
